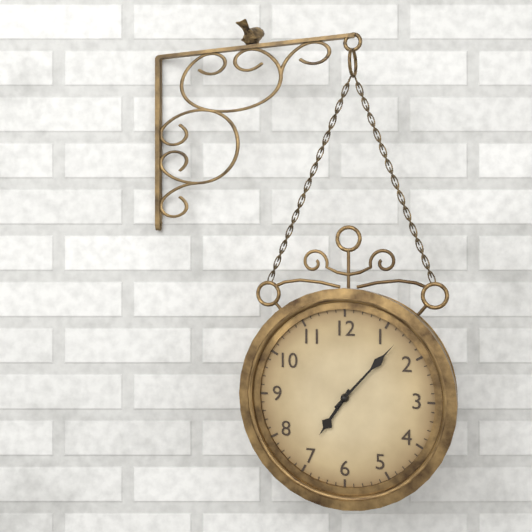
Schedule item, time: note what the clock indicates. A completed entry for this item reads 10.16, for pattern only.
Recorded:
7.07
